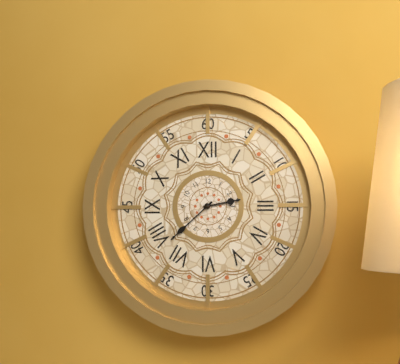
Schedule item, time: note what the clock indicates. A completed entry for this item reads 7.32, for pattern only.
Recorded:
2.38
